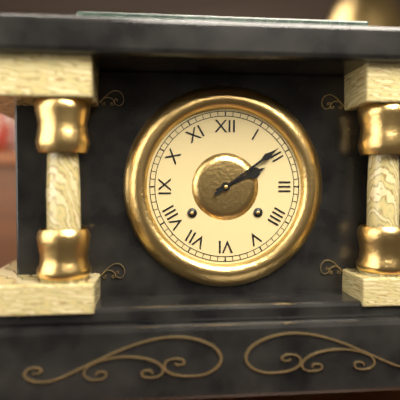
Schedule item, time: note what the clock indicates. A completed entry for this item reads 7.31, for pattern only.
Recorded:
2.09
